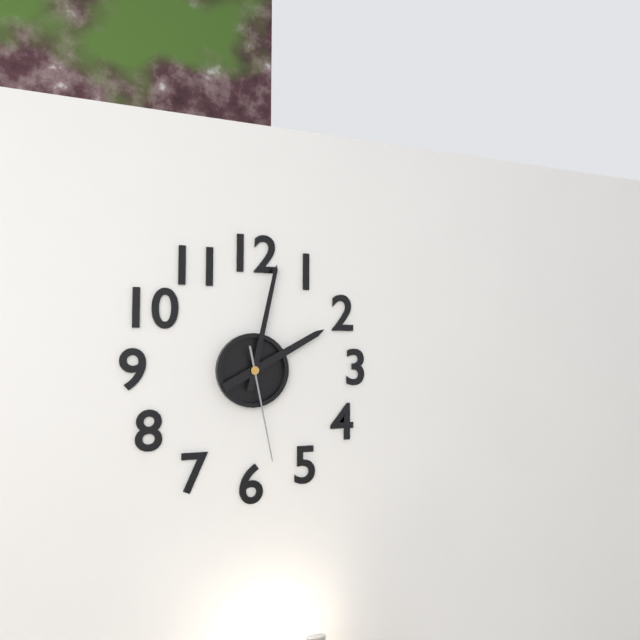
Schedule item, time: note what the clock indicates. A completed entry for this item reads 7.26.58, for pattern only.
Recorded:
2.02.28
